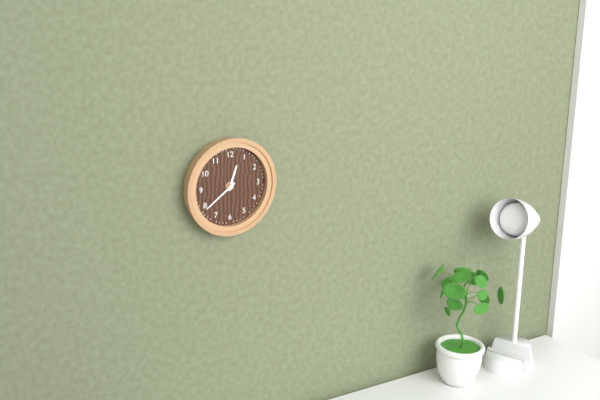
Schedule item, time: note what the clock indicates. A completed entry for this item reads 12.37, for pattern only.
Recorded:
12.39
